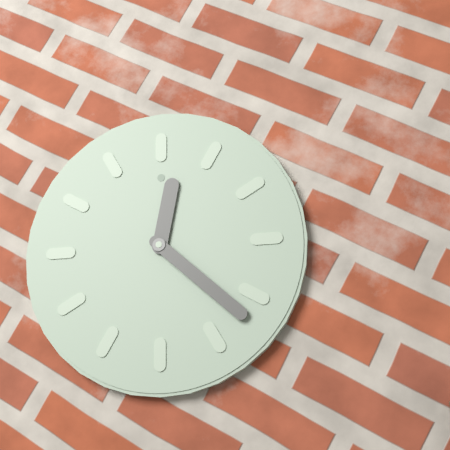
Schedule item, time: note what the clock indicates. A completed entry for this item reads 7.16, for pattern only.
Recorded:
12.22
